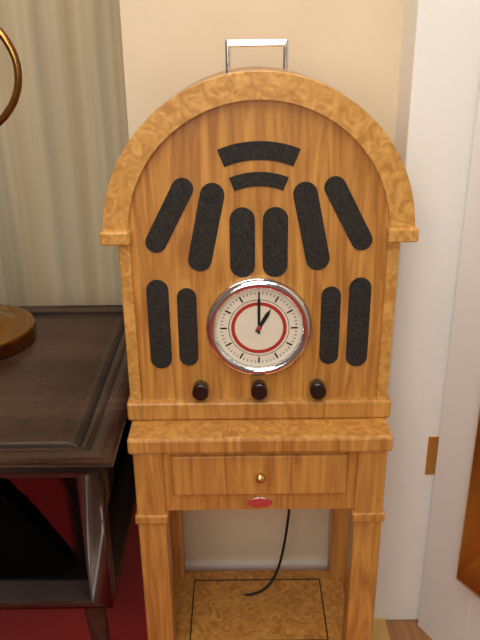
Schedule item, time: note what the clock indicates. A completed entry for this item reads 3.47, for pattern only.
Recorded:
1.00
